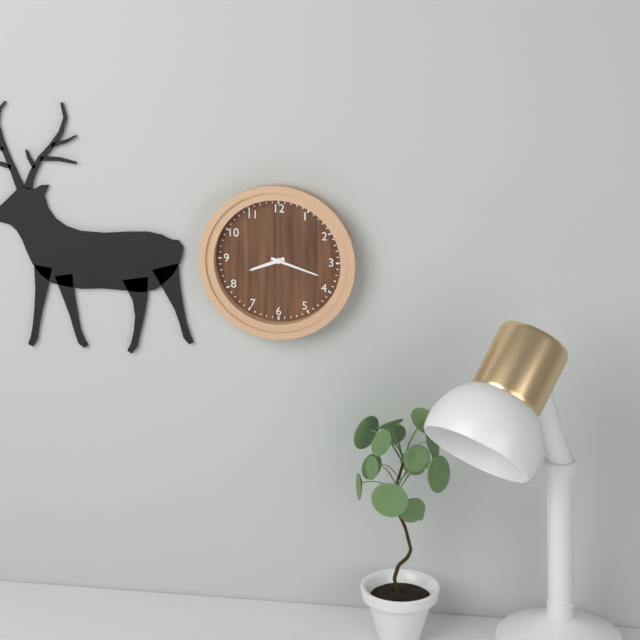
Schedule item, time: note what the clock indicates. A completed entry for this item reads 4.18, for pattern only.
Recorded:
8.18
